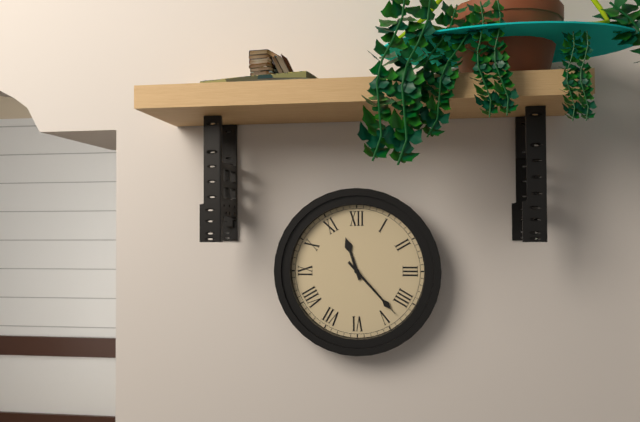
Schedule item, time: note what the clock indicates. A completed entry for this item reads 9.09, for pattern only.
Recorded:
11.23
